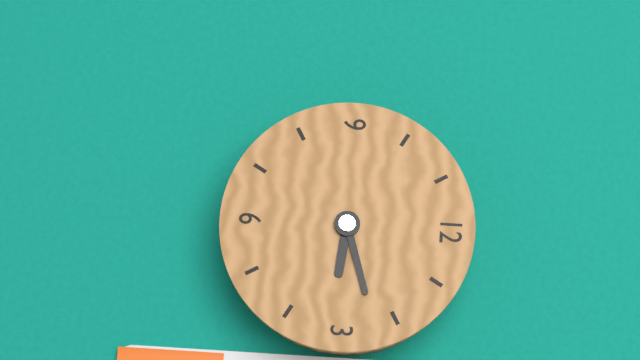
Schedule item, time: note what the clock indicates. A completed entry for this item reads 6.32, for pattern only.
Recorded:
3.12
